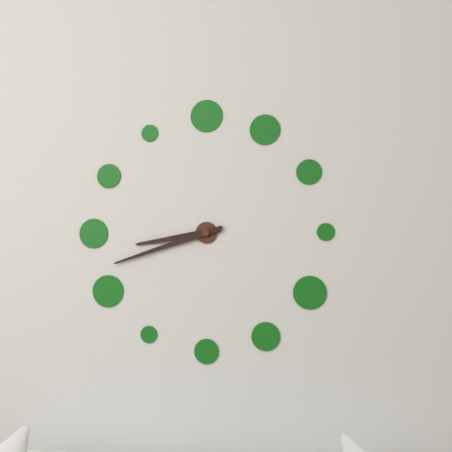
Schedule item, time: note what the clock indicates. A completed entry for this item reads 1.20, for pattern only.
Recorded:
8.42
